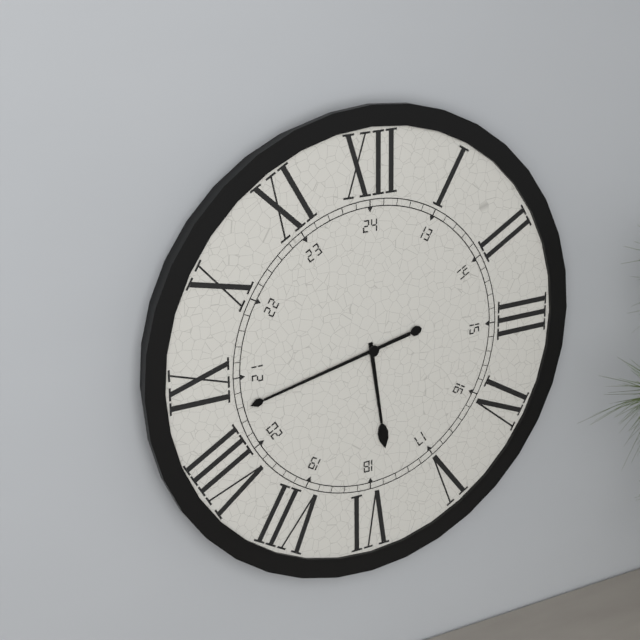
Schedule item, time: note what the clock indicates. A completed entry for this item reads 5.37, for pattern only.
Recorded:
5.43
